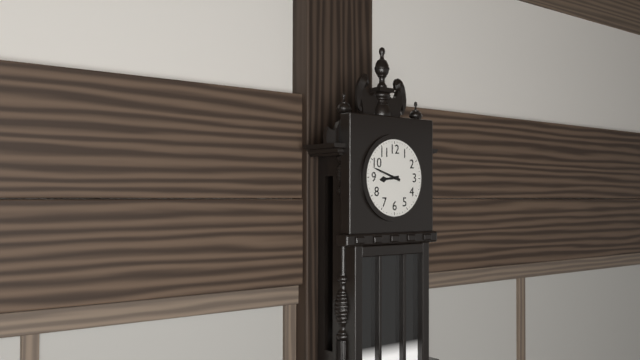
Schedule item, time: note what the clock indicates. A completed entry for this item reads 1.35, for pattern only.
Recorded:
8.48
